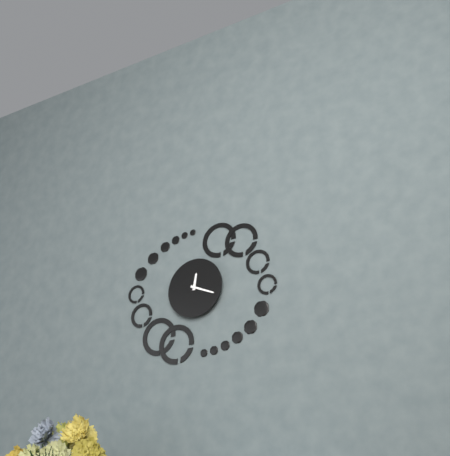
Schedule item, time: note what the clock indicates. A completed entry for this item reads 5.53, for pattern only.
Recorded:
12.19
